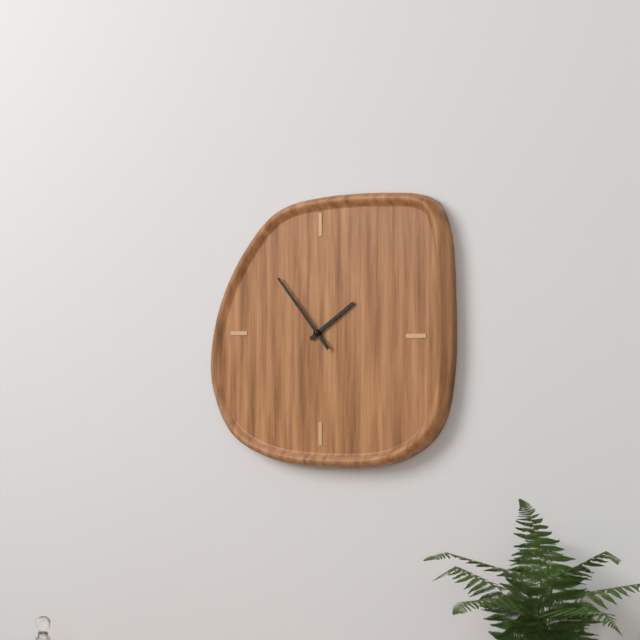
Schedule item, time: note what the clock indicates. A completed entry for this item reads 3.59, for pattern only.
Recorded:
1.53
